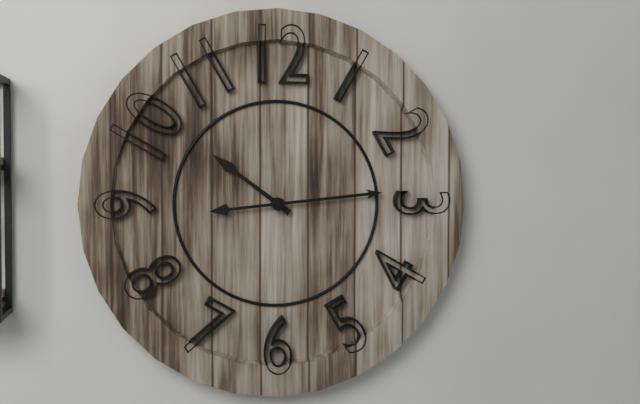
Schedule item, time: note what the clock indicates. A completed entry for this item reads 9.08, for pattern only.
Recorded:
10.14
